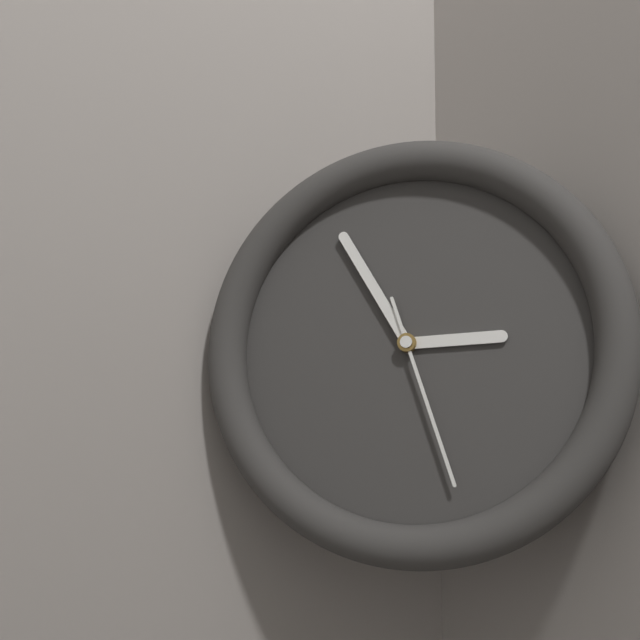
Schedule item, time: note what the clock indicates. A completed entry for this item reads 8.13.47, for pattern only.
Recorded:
2.55.27
